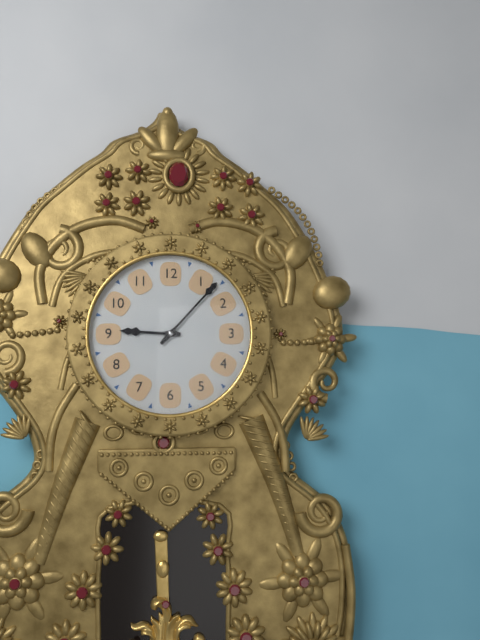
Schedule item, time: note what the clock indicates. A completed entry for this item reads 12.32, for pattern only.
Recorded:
9.07
